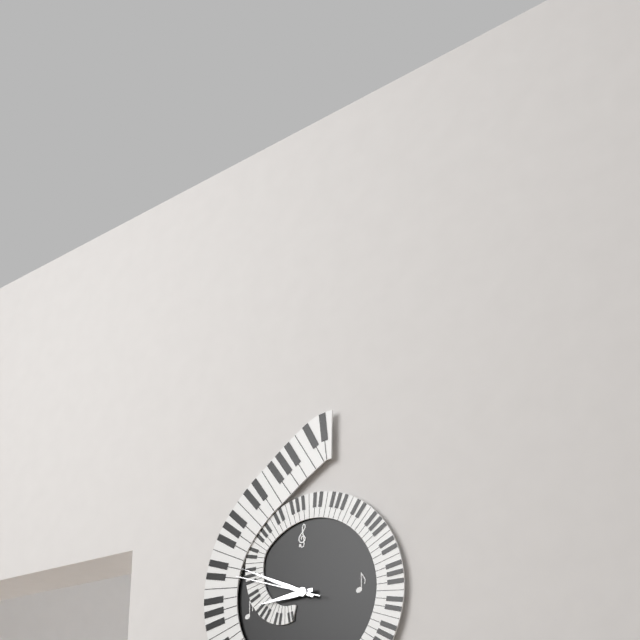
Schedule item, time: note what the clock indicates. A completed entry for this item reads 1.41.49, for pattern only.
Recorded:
8.49.48
